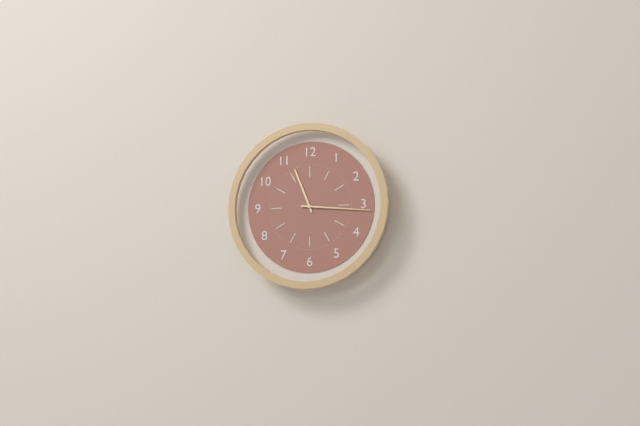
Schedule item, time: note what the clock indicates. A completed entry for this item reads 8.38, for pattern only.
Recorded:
11.16
